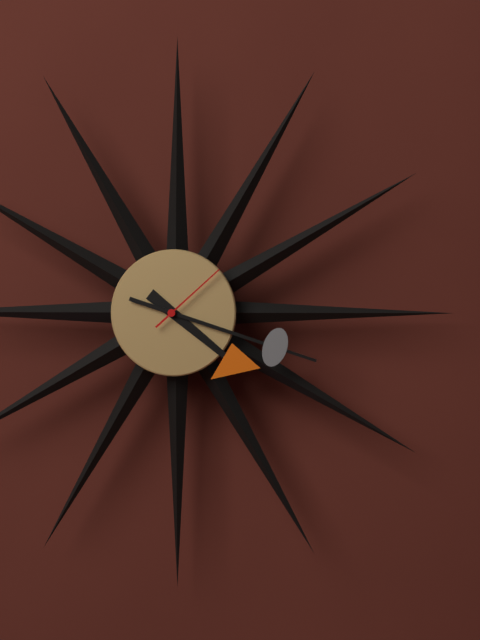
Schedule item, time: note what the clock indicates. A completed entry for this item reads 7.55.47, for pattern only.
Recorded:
4.18.08
